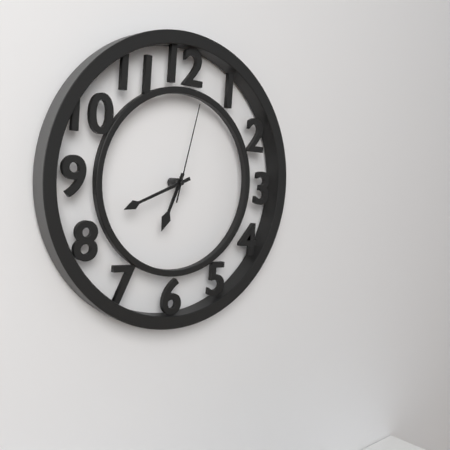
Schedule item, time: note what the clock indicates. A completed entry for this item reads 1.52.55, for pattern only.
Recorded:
6.41.02
